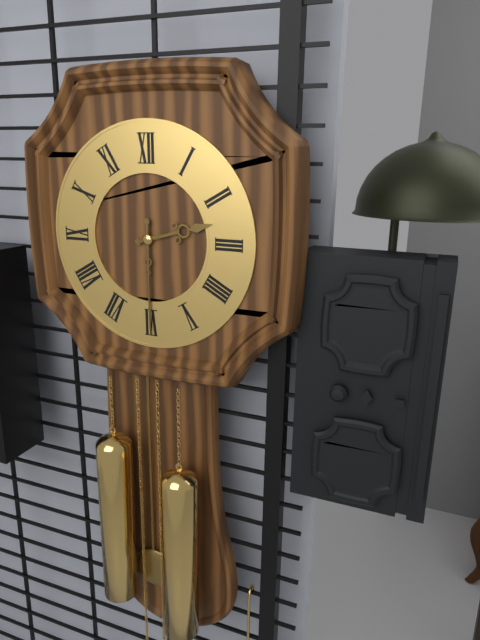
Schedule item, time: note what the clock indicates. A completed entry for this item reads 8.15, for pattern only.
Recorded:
2.30
